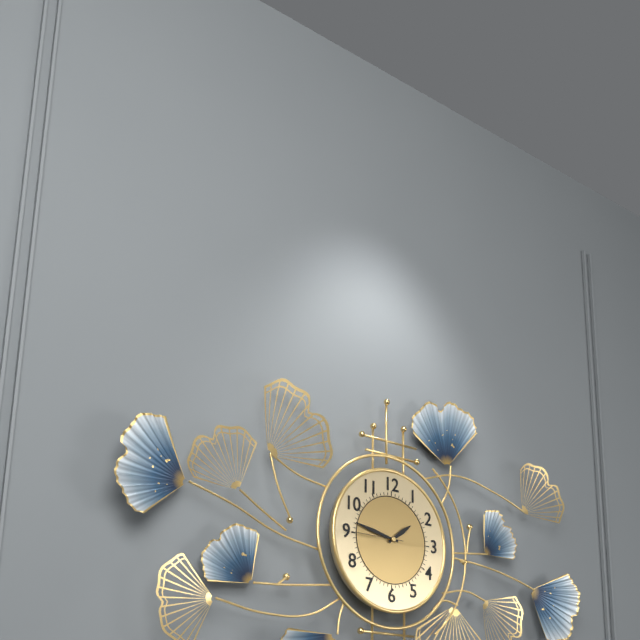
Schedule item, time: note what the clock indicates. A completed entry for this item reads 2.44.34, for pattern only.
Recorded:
1.47.45
